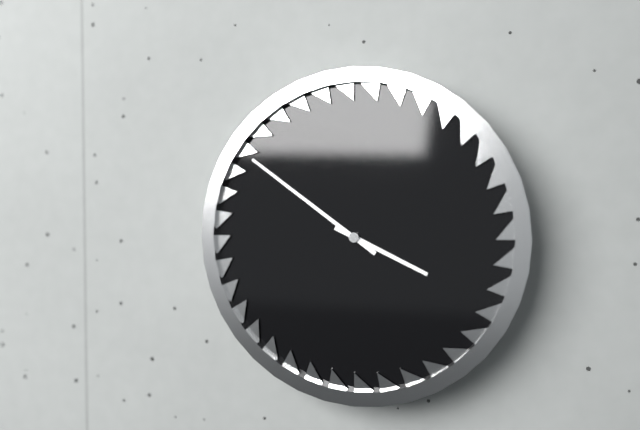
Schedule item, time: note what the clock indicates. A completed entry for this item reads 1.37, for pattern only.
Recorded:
3.51
